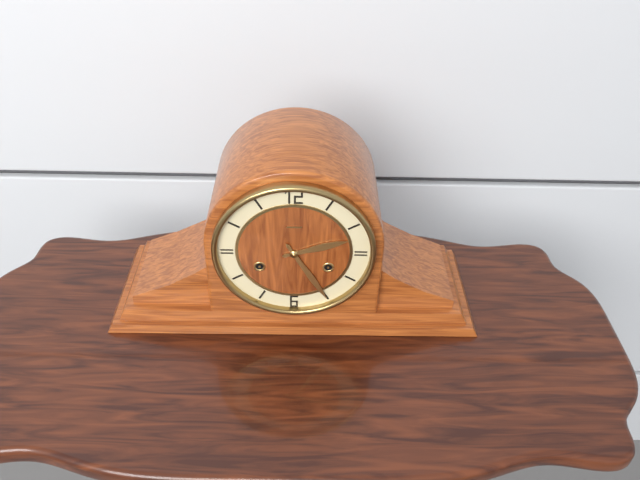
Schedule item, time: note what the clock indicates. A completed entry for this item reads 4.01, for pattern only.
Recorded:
2.25
